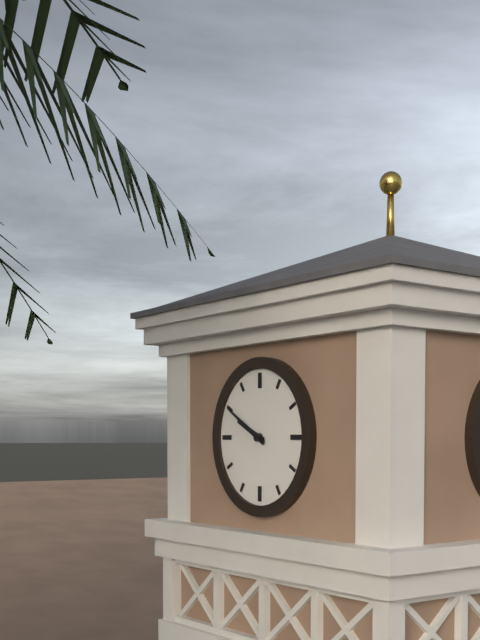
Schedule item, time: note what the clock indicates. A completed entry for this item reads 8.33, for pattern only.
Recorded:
9.50
